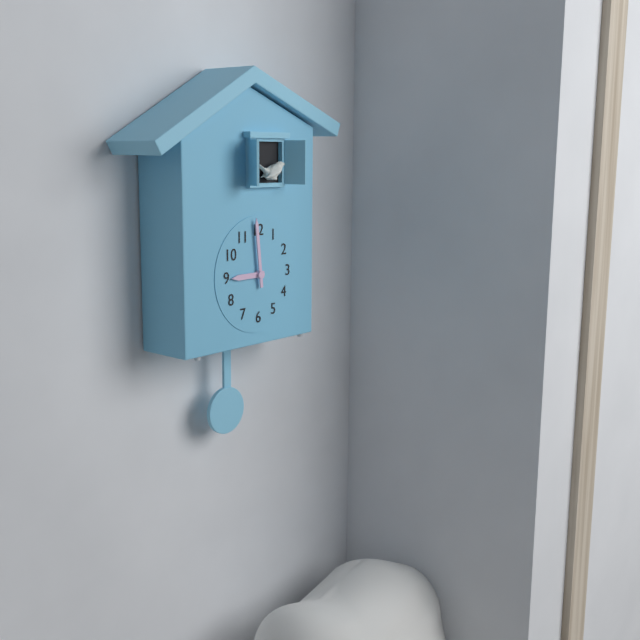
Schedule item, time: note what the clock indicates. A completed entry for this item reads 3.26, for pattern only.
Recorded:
8.59
